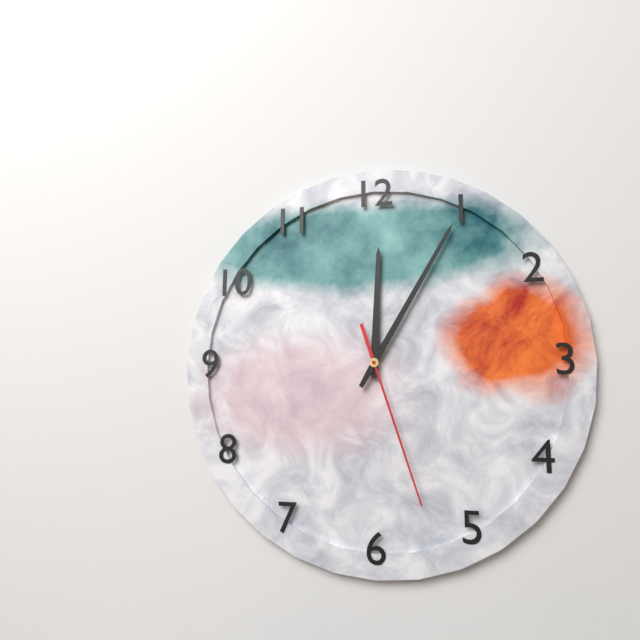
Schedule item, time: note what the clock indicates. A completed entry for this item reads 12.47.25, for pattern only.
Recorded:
12.05.27
